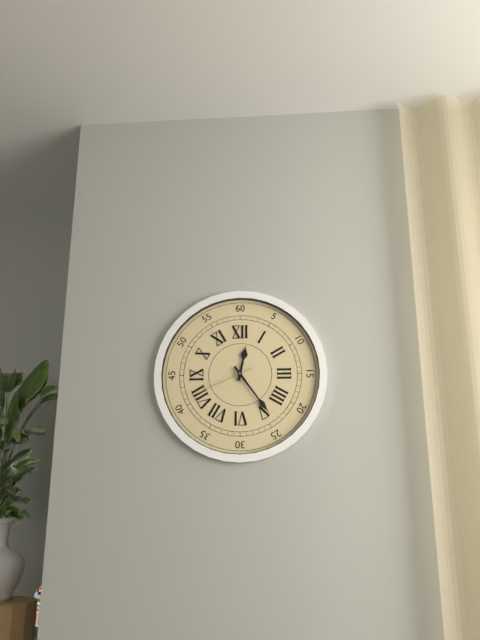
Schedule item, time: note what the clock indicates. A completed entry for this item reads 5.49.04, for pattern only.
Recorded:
12.24.41
